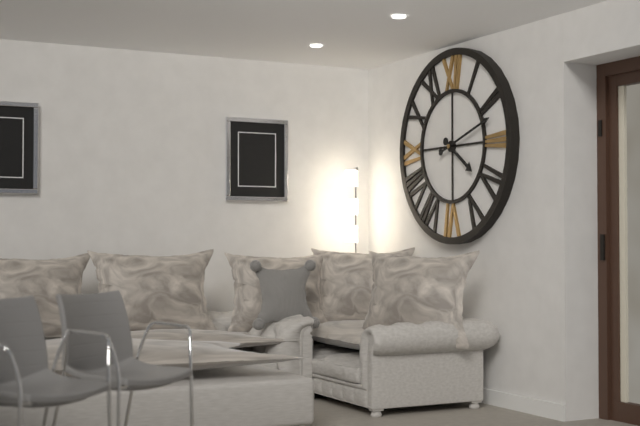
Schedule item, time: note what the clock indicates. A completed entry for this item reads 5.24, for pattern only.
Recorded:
4.12
